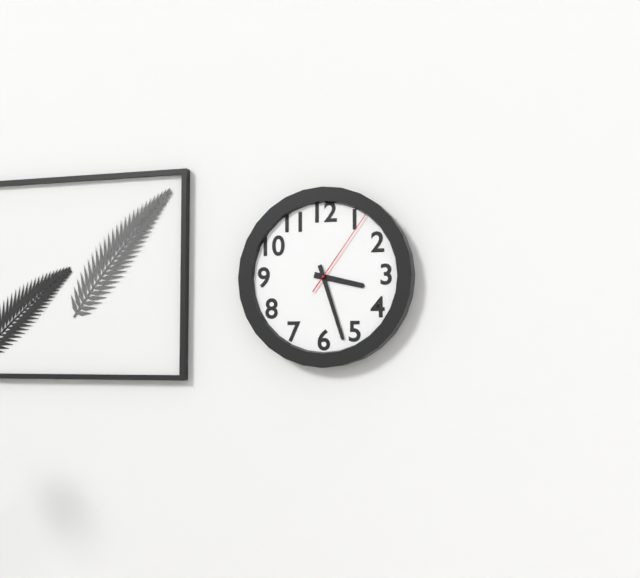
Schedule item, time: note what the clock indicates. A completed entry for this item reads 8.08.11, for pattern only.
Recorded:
3.27.06
